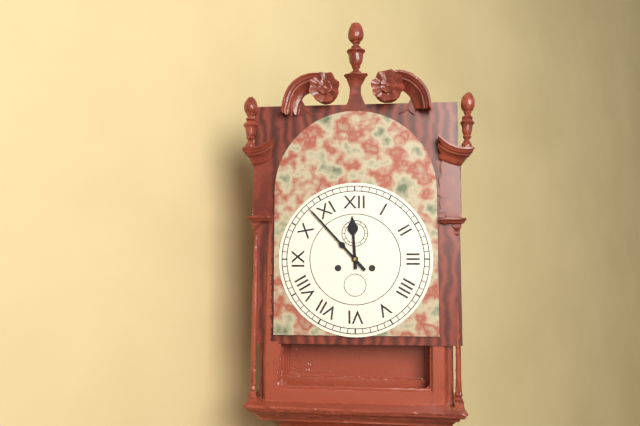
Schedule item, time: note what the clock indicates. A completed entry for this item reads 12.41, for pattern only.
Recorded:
11.53
